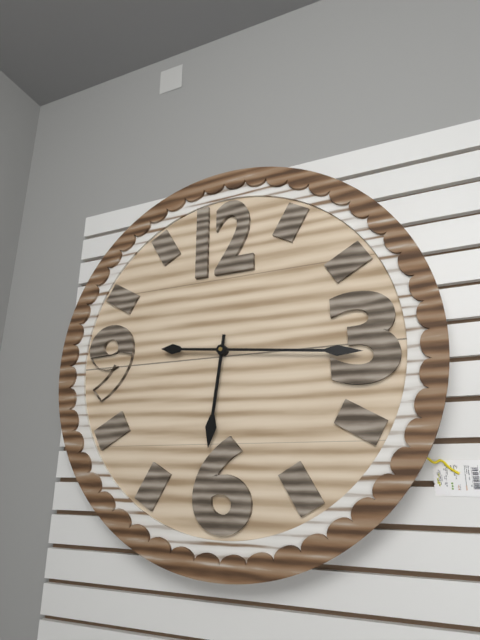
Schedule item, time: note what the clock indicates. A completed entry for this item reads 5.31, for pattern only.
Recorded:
6.16
